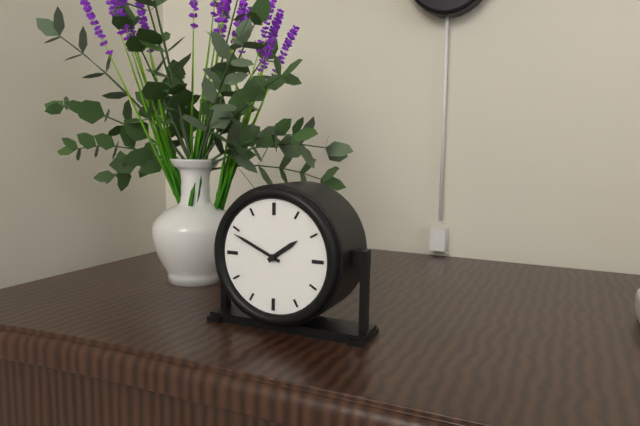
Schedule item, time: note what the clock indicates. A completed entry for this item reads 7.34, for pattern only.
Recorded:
1.49
